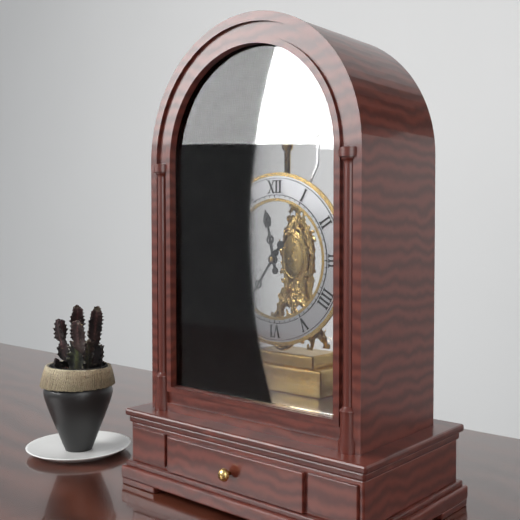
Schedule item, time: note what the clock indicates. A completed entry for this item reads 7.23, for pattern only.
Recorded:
11.36
